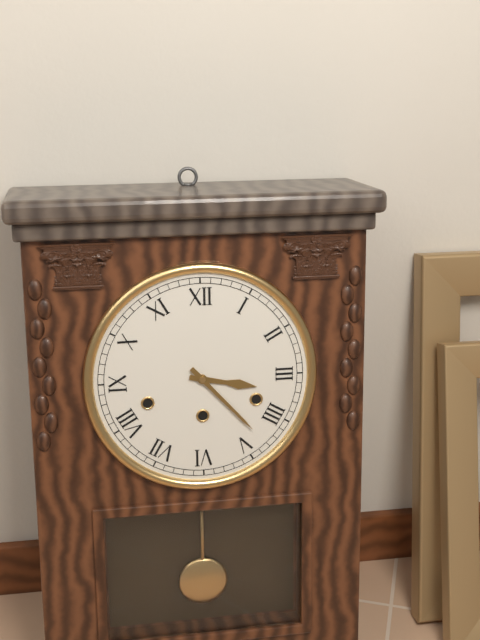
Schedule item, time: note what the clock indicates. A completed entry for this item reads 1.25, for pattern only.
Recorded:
3.23
